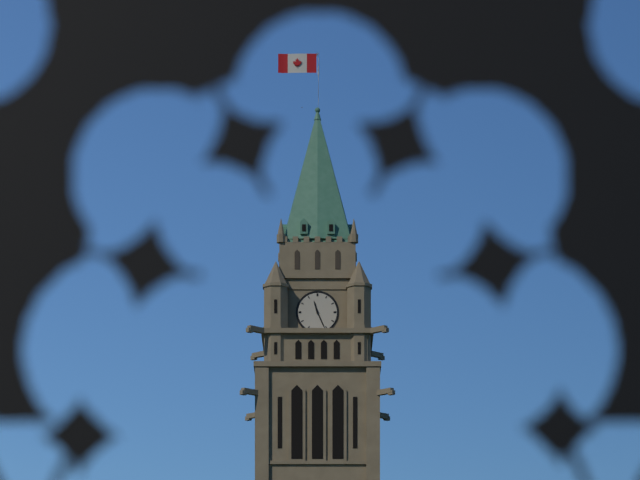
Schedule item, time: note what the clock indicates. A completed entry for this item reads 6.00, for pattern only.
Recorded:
11.26
